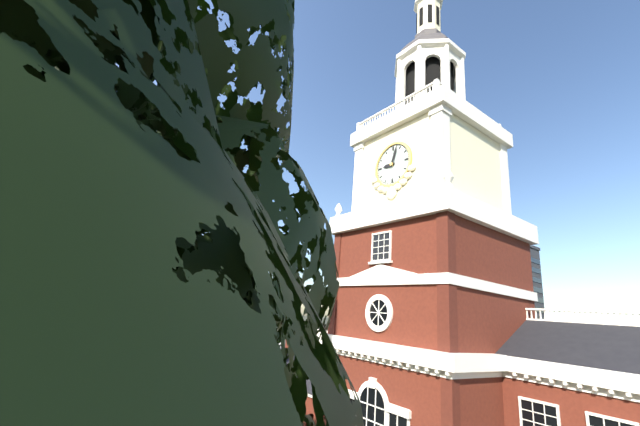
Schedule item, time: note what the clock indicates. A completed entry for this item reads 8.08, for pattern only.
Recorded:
9.03
